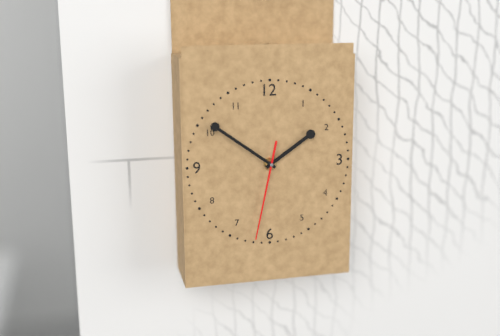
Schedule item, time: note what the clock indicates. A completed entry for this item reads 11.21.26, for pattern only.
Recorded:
1.51.32
